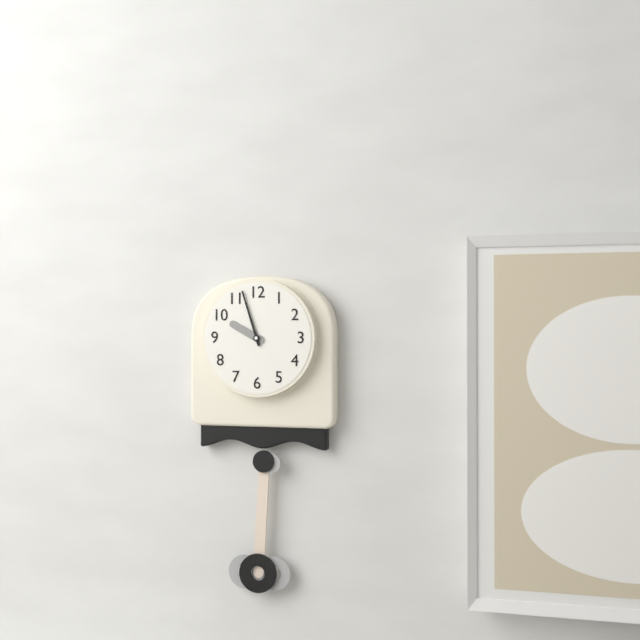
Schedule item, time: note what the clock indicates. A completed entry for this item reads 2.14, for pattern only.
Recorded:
9.57
